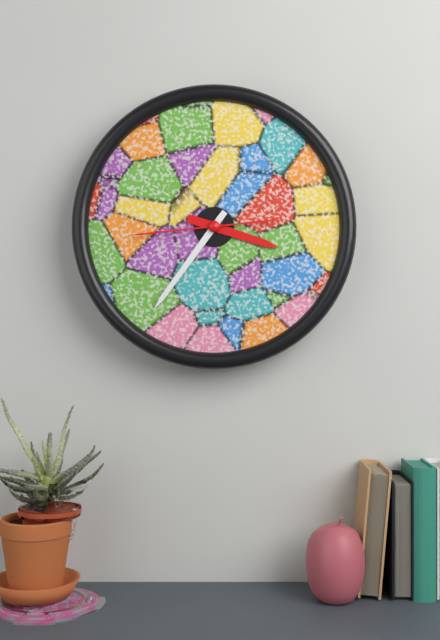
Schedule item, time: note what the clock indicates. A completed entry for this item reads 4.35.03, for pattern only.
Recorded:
3.36.44
